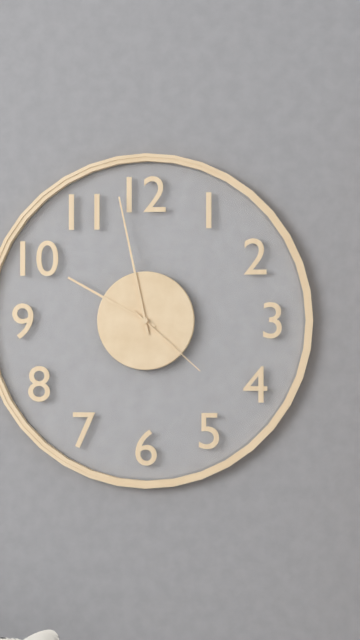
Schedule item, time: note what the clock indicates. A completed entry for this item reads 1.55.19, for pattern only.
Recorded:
9.58.22
